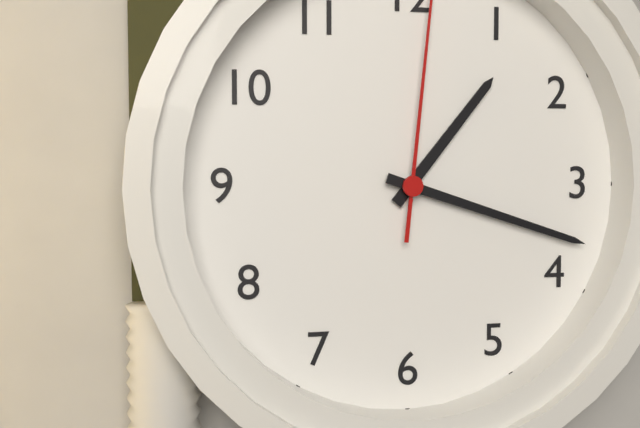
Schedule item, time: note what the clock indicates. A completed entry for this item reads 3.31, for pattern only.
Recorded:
1.18
